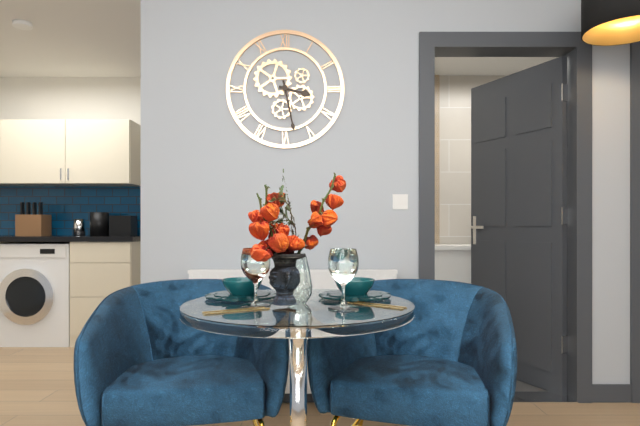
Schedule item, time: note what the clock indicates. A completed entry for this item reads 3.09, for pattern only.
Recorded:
3.28
